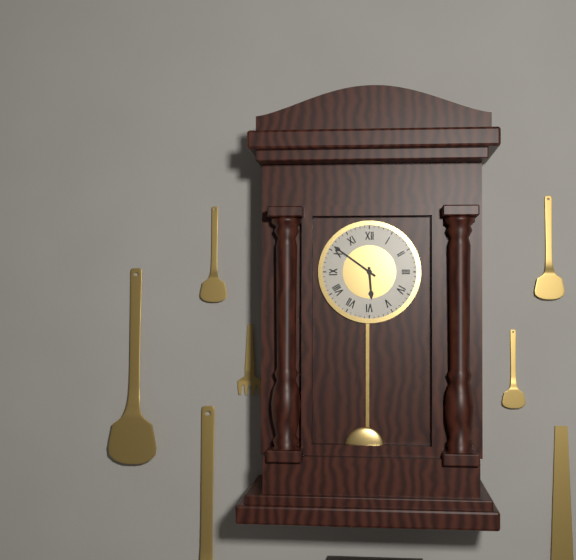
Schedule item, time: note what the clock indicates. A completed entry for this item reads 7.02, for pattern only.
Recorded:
5.51
